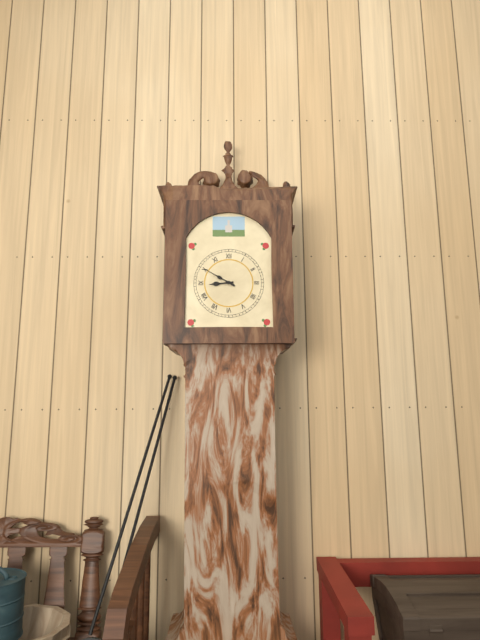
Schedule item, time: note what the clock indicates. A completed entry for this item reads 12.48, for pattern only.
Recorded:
8.50
